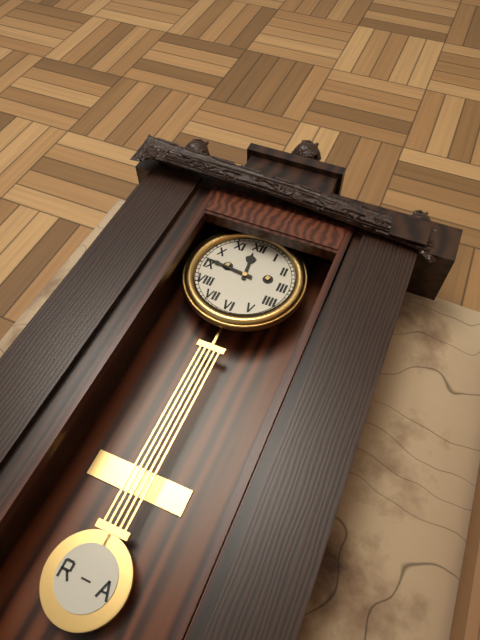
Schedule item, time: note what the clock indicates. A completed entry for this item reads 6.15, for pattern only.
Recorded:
11.46
